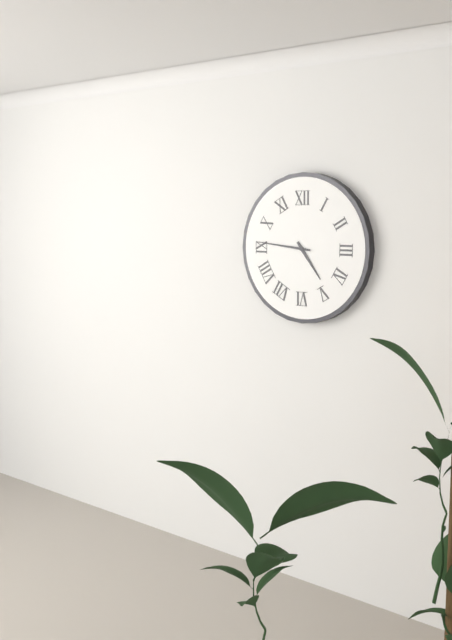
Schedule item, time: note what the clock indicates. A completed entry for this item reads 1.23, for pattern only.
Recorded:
4.46
